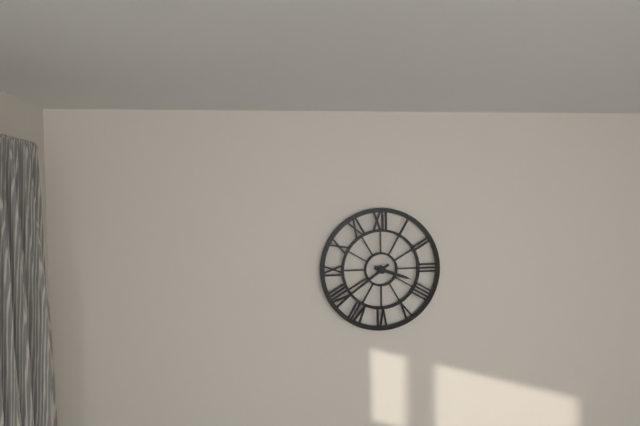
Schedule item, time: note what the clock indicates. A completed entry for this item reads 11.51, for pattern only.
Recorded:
3.39
